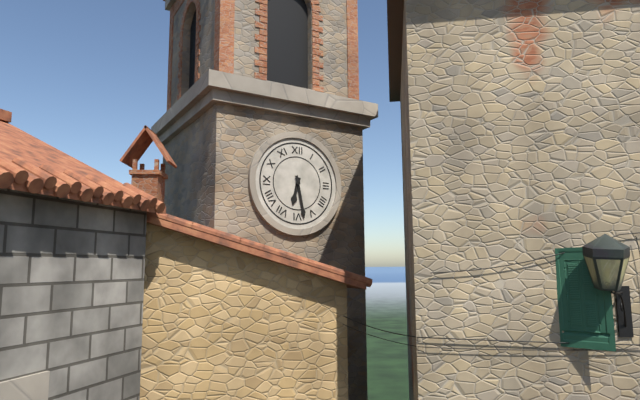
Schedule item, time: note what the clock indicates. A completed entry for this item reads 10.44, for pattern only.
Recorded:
6.28
